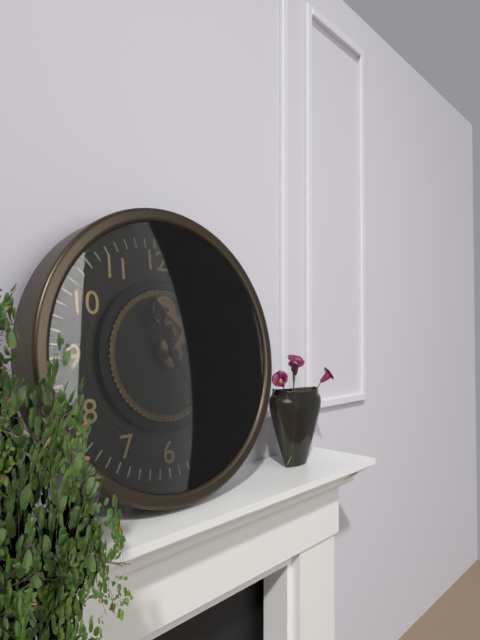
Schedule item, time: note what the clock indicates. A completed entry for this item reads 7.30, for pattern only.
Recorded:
11.25
